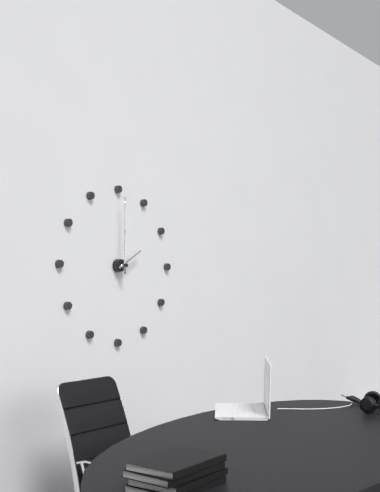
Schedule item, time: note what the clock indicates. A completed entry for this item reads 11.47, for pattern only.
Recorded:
2.00
